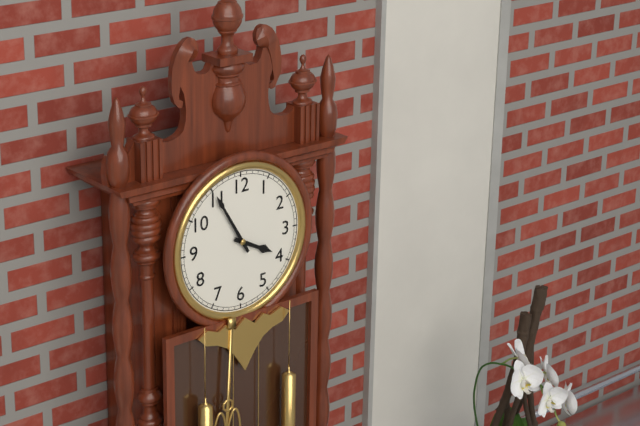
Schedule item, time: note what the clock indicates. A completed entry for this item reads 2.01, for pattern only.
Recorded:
3.55
